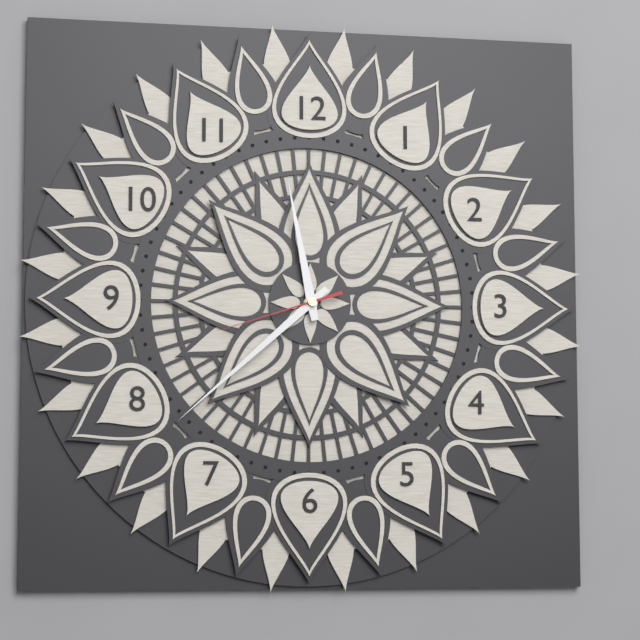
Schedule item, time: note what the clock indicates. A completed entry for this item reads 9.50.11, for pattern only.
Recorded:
11.38.42
